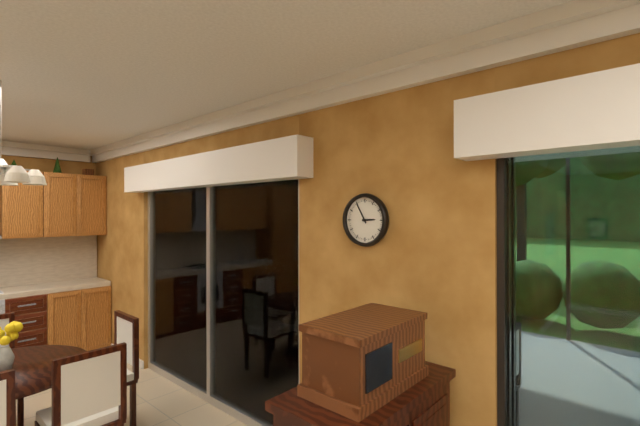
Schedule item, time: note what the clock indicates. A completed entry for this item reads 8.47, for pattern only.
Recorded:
2.55
